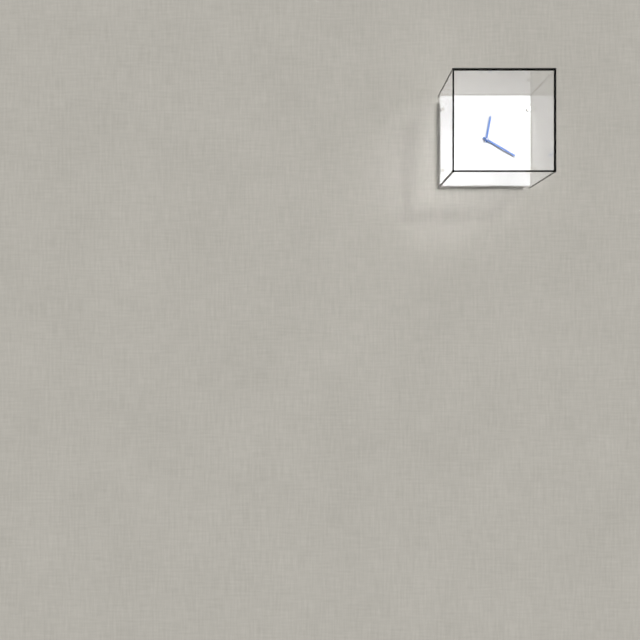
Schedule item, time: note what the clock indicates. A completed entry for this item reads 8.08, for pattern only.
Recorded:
12.20
